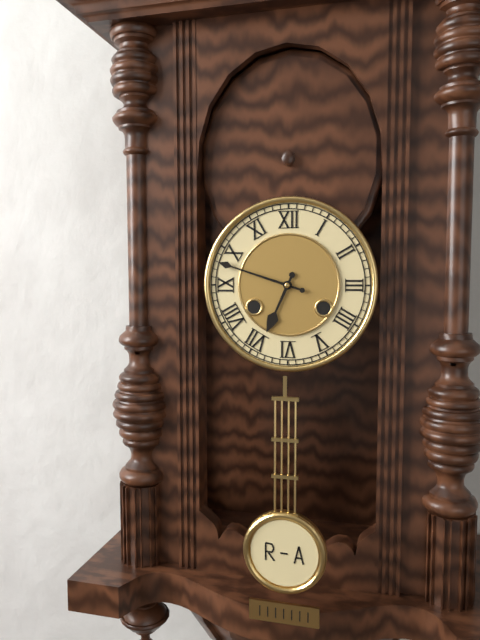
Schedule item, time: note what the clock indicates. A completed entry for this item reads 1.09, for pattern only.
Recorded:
6.48
